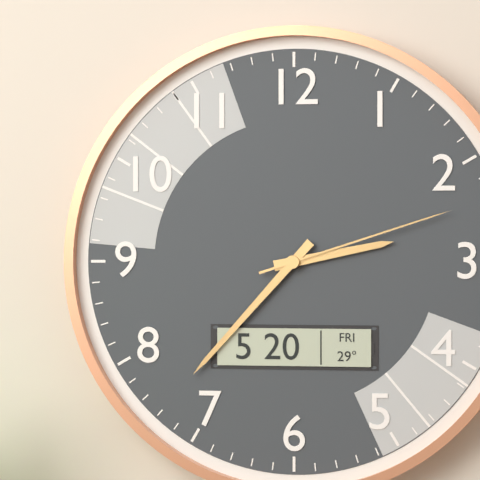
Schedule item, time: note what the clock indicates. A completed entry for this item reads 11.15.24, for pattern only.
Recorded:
2.37.12
